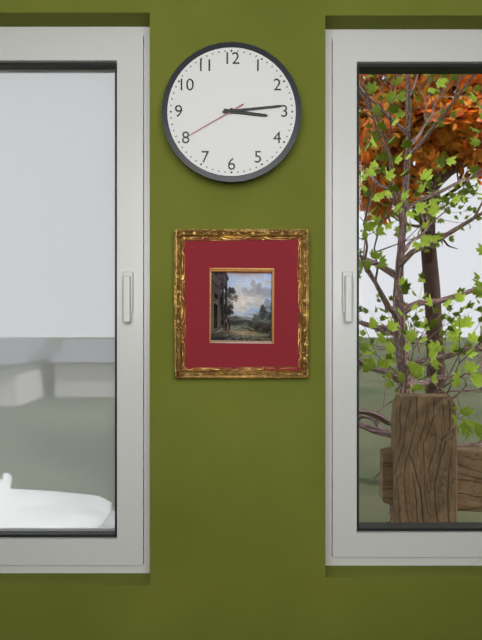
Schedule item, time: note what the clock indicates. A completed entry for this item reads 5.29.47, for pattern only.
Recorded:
3.14.40
